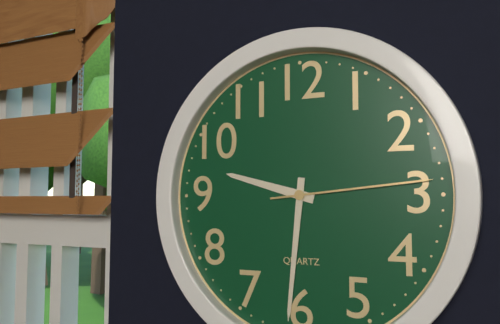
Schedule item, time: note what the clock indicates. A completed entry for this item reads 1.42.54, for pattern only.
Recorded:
9.31.14
